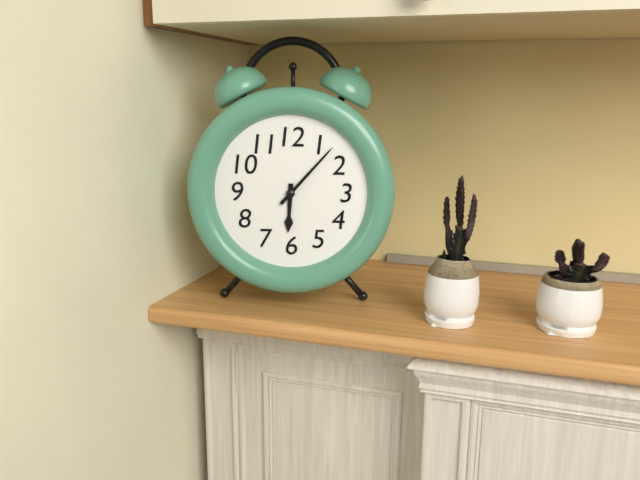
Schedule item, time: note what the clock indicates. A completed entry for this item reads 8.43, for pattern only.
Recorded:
6.07
